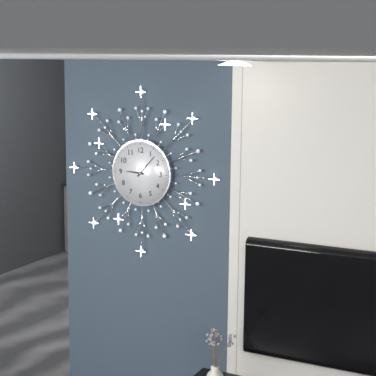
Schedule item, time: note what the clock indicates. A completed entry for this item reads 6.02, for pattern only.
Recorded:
9.07
